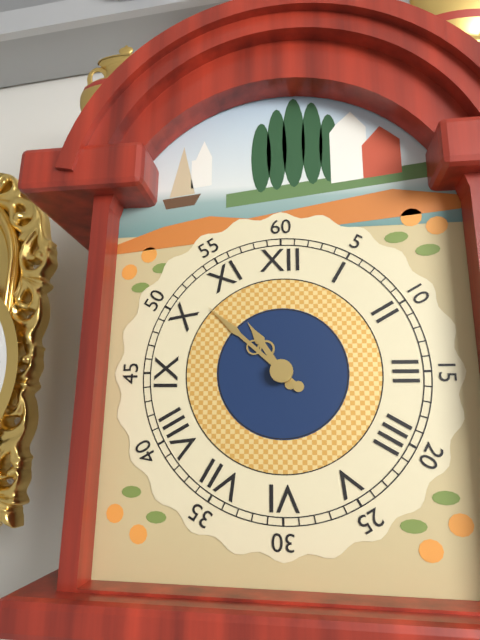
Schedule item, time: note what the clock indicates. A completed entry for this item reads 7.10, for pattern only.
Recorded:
10.52
